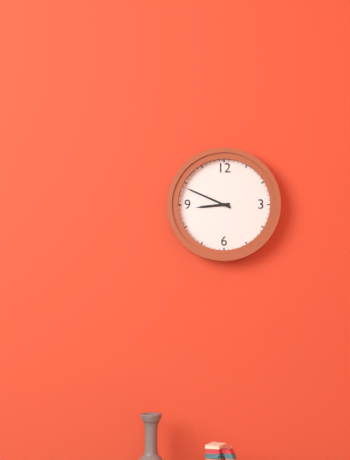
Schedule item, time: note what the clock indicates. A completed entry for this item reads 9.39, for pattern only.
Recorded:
8.49
